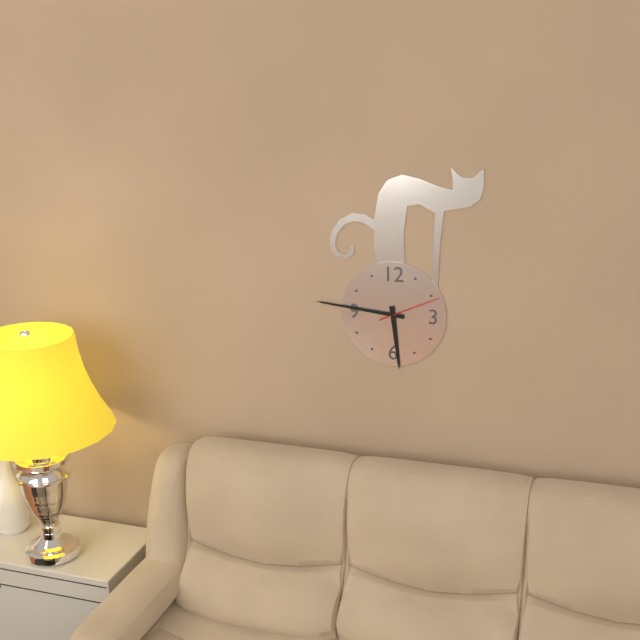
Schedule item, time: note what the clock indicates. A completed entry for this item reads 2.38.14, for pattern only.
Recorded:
5.46.11
